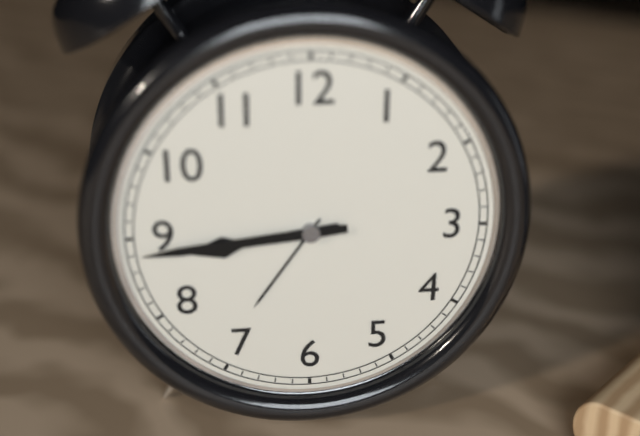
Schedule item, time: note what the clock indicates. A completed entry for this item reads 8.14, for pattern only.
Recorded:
8.44
